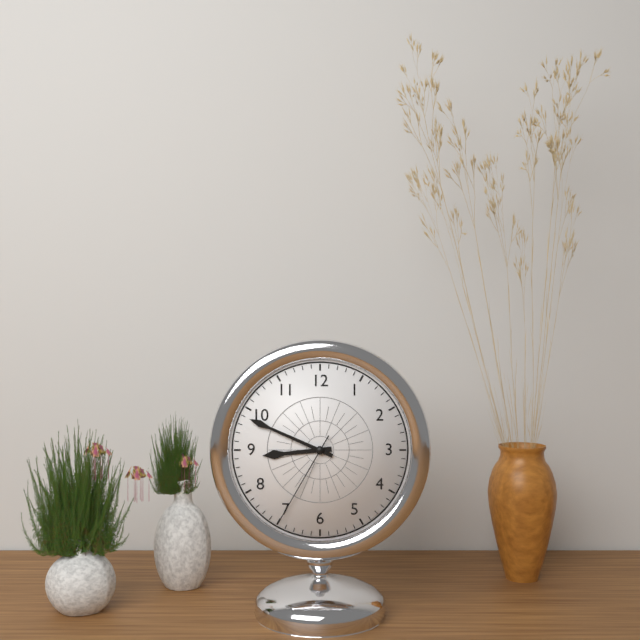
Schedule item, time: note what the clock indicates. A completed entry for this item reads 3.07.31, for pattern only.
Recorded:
8.49.35
